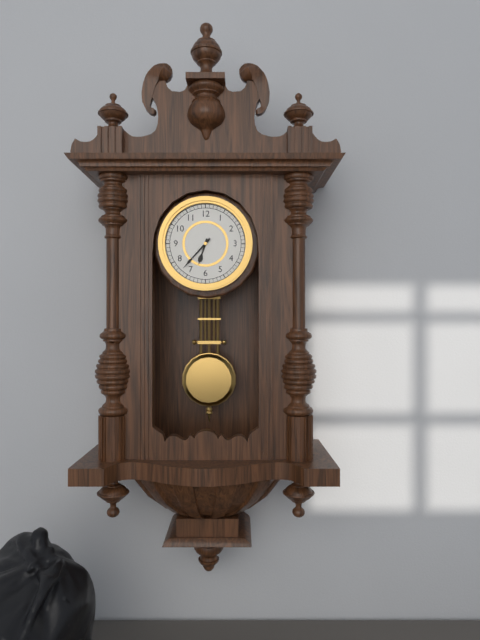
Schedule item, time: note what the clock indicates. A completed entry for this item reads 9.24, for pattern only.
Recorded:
6.37
